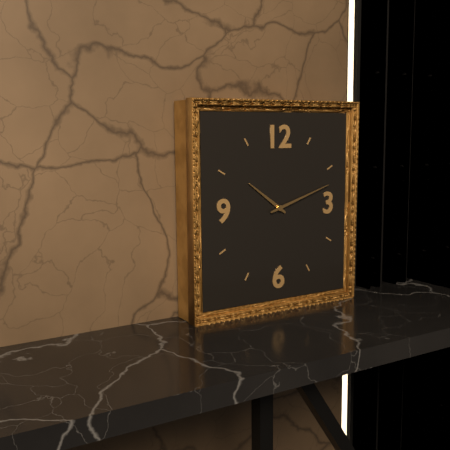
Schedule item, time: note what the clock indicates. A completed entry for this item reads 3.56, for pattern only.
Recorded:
10.12
